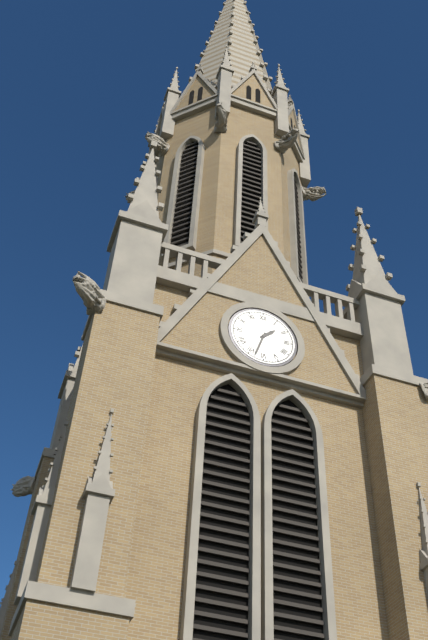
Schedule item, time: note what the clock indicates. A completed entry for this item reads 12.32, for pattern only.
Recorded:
1.33
